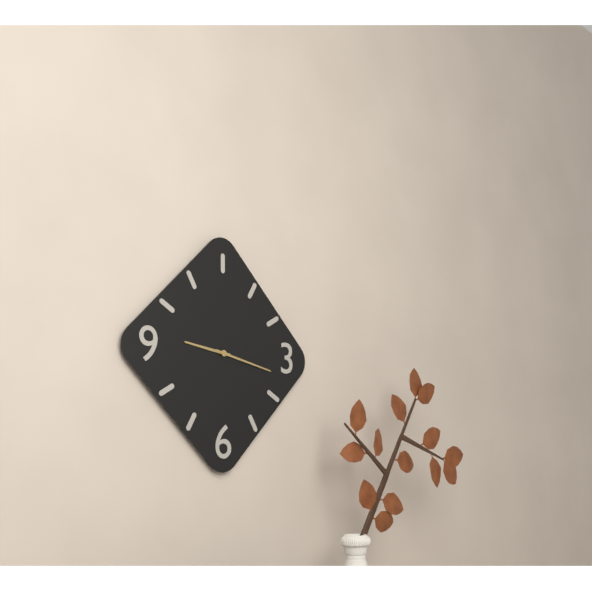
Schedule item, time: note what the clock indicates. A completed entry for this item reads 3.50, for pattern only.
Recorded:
9.17
